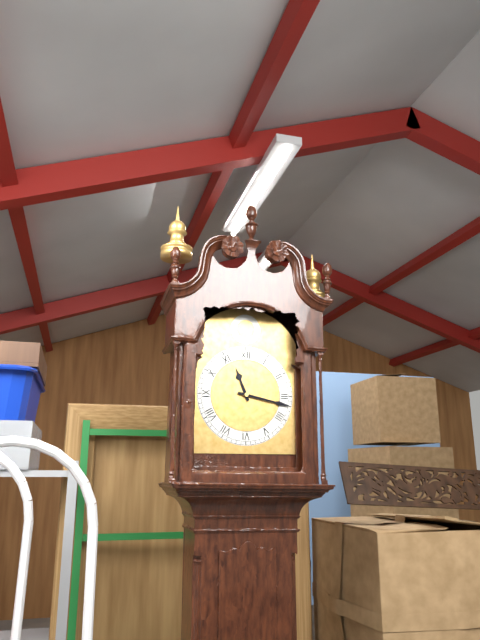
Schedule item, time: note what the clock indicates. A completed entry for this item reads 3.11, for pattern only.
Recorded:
11.17
